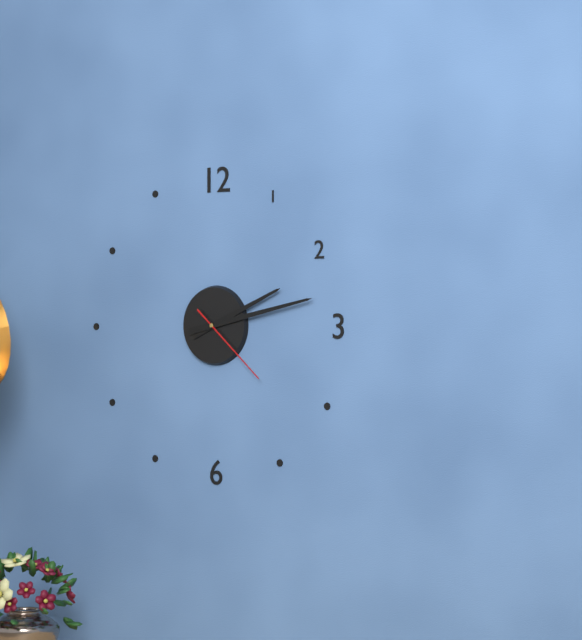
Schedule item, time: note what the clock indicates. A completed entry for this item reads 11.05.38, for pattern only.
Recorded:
2.13.22
